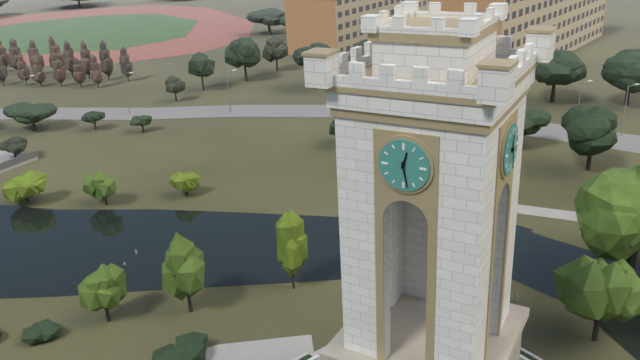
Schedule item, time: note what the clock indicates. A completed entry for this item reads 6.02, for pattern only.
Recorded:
12.28
